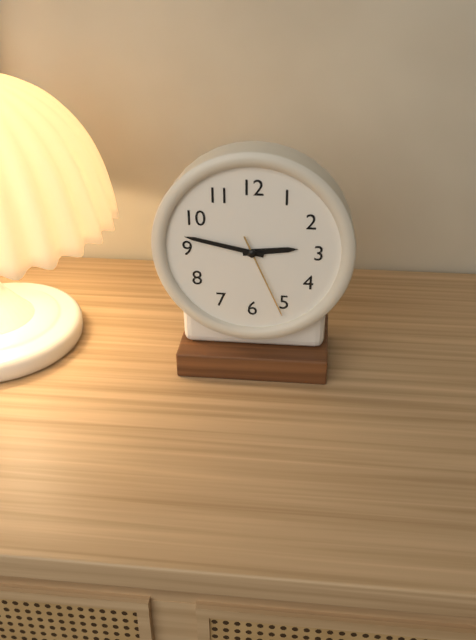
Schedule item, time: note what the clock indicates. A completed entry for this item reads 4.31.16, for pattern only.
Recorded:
2.47.26
